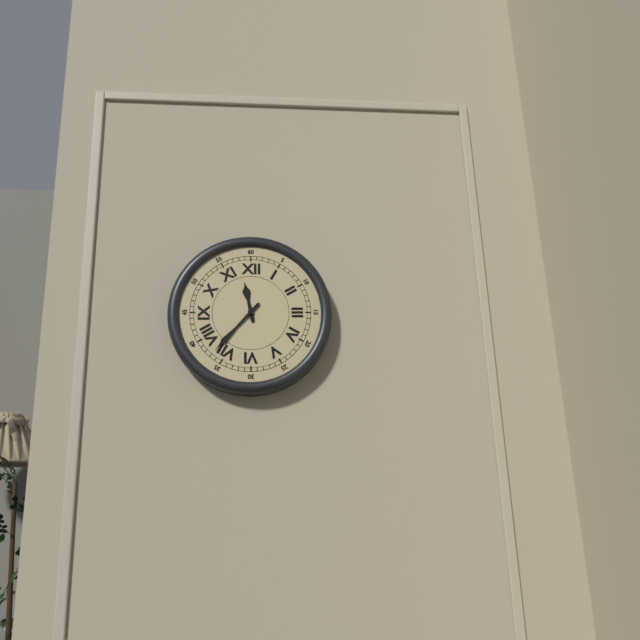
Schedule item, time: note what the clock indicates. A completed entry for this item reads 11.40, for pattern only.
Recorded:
11.37
